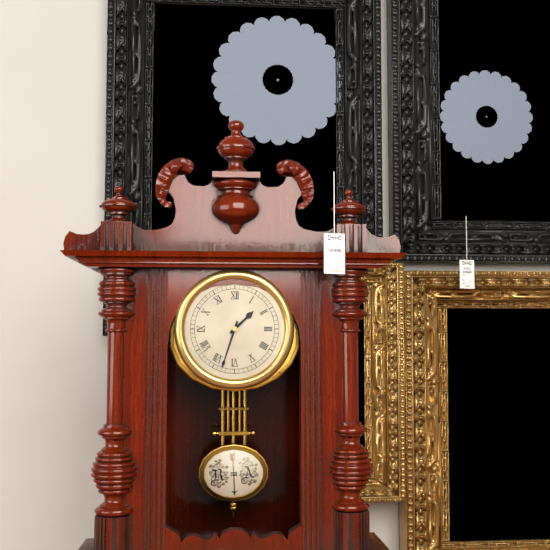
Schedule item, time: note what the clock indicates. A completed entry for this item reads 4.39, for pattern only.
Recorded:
1.33
